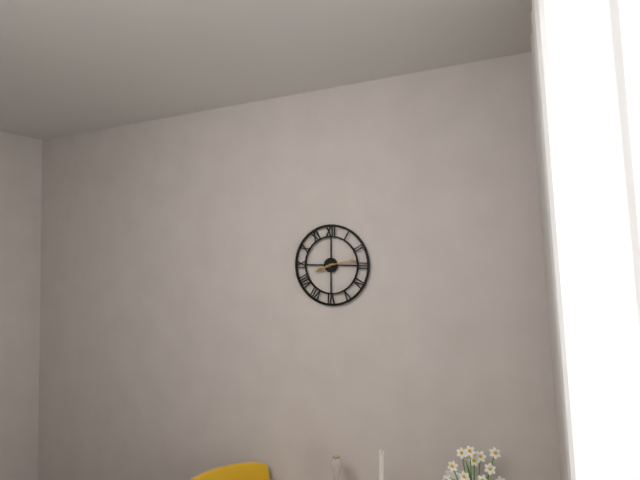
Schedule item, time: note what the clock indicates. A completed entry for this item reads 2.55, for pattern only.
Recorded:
8.13
